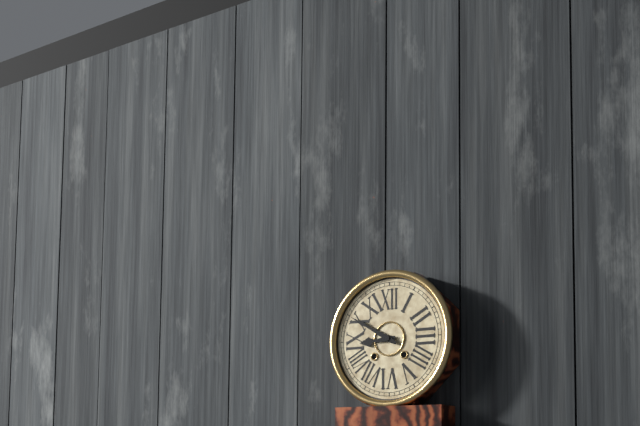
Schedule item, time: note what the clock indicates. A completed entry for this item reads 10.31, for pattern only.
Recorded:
8.50
